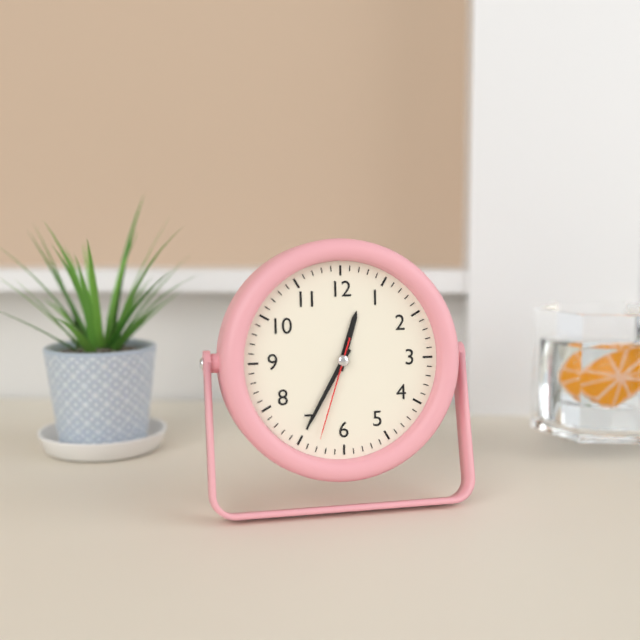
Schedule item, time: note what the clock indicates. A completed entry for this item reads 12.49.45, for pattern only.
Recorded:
12.35.33
